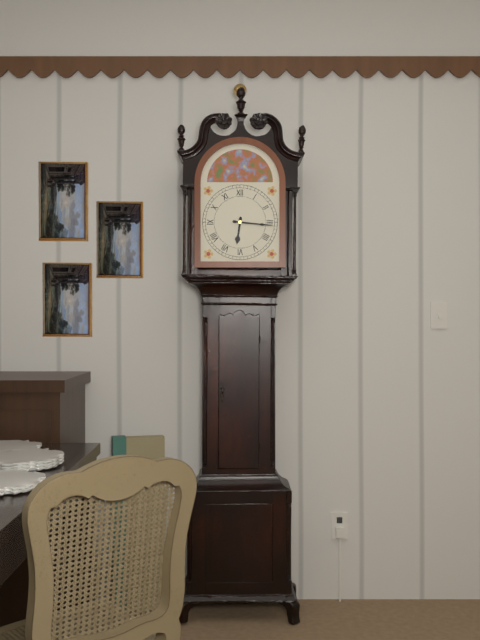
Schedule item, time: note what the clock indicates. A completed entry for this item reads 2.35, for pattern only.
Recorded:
6.16
